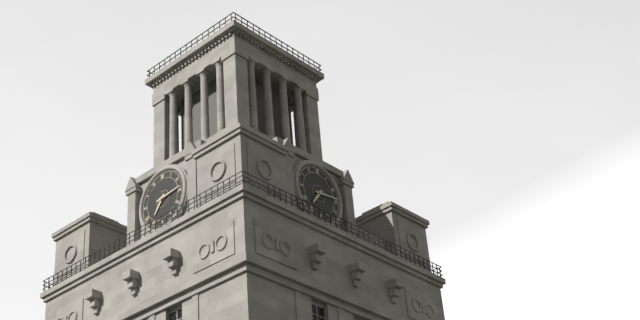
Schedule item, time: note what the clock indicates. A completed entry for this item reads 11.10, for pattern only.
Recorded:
7.14
